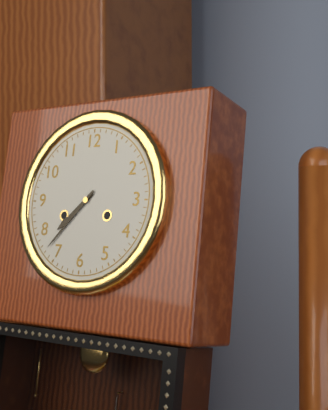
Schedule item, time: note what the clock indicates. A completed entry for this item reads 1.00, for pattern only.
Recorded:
7.37
